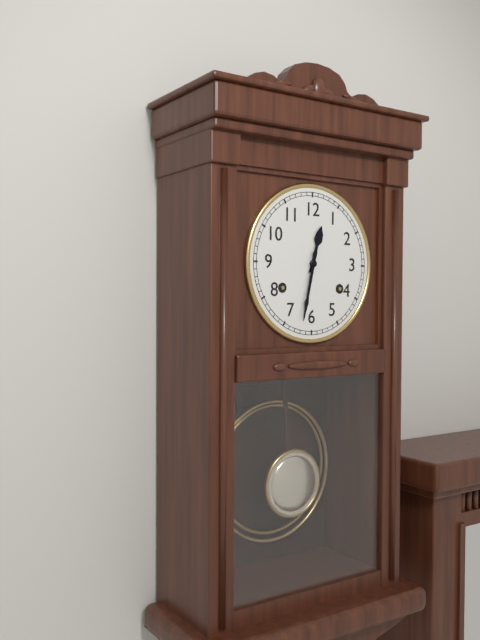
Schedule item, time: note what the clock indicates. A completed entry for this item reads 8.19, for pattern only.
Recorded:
12.32
